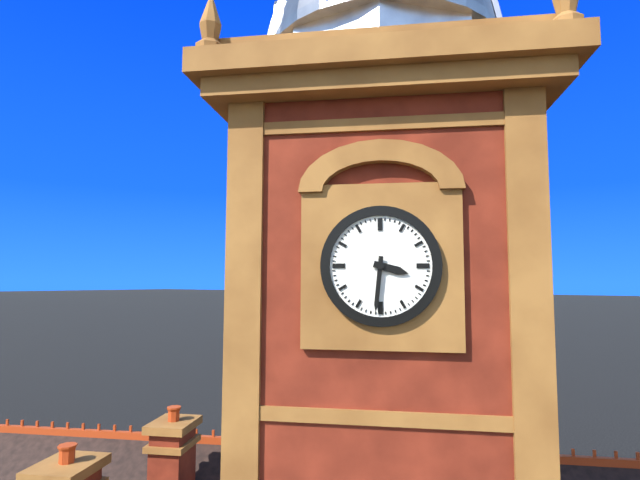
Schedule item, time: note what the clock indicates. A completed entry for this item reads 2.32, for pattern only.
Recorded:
3.31
